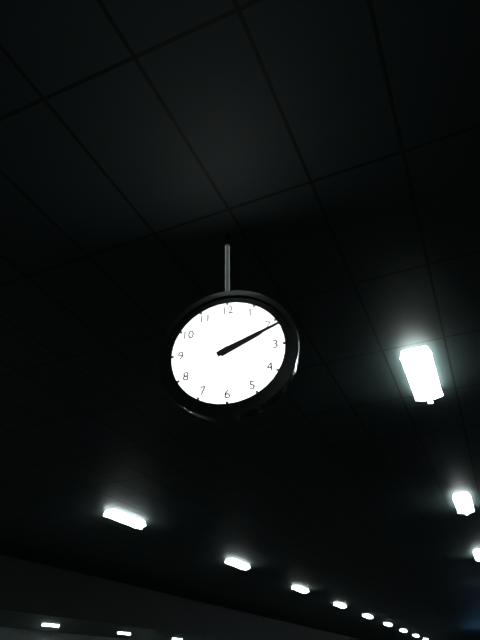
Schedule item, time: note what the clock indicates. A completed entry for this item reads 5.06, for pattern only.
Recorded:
2.11
